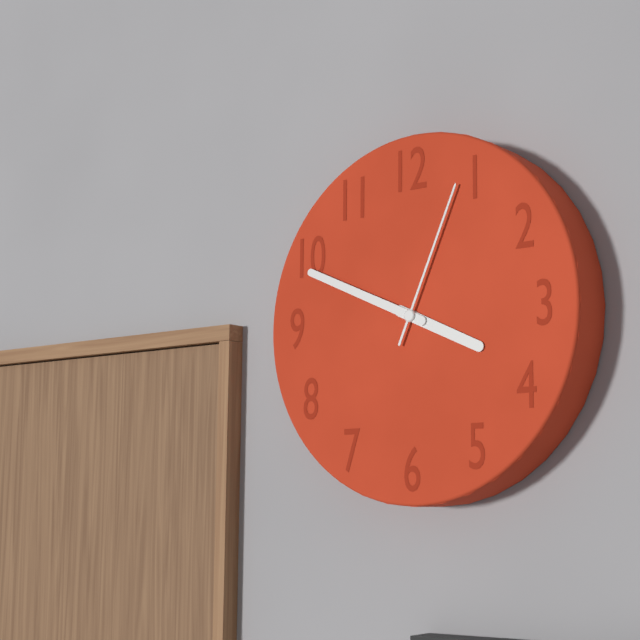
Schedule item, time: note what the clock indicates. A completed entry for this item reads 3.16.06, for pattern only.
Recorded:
3.49.04
